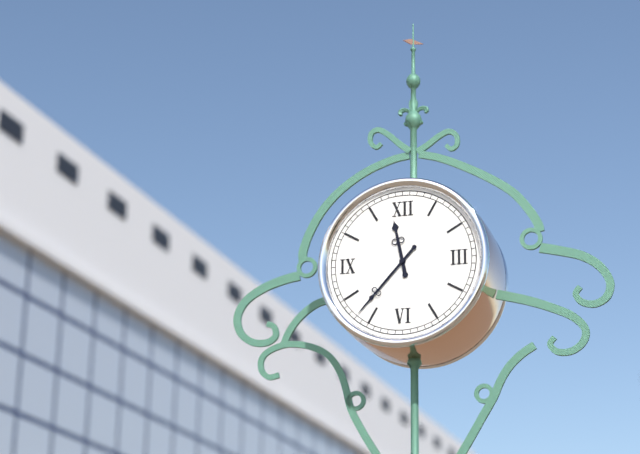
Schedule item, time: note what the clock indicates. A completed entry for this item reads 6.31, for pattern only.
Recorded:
11.37
